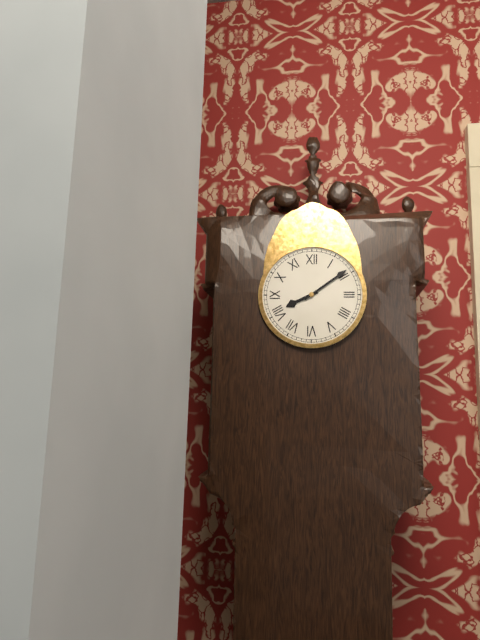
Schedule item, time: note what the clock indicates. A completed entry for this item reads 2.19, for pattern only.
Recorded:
8.09
